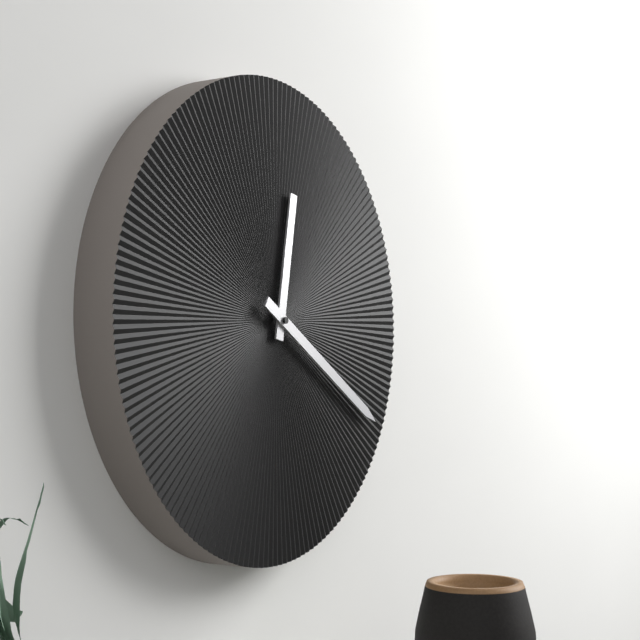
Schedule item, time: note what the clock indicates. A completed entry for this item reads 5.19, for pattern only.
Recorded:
12.20
